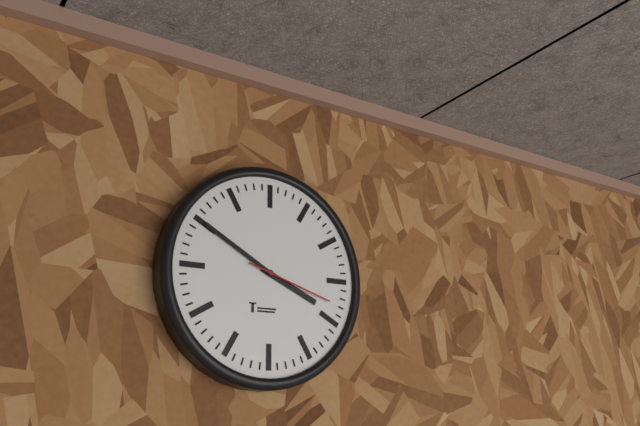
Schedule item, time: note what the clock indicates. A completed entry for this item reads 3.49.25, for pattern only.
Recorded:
3.50.18
